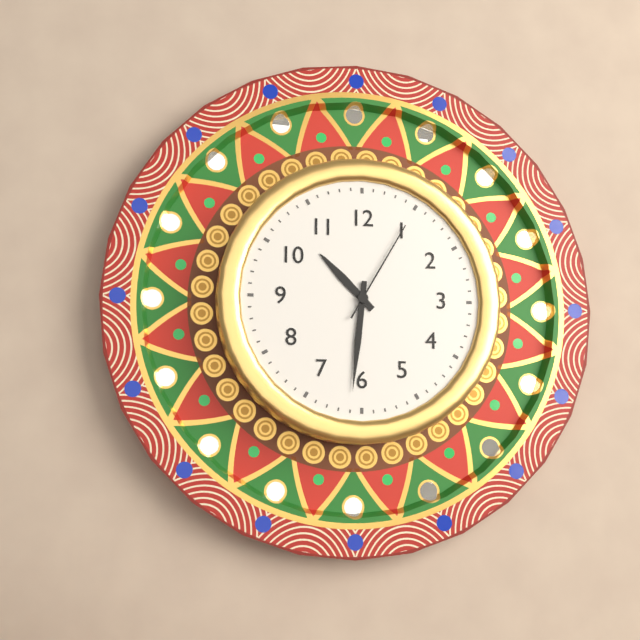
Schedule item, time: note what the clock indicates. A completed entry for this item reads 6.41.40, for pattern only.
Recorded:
10.31.05
